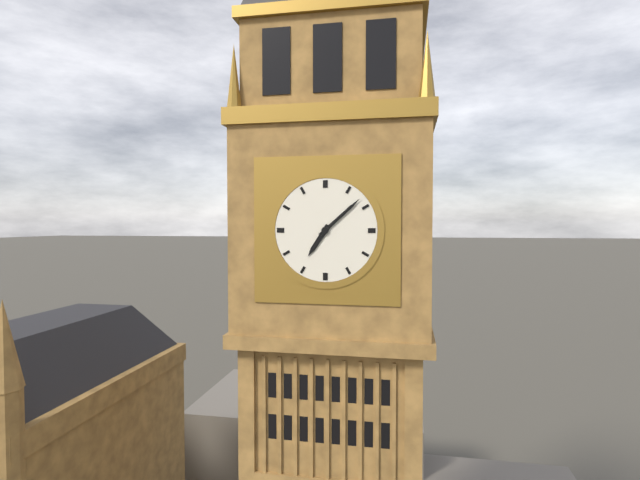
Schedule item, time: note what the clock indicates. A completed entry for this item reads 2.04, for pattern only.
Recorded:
7.08
